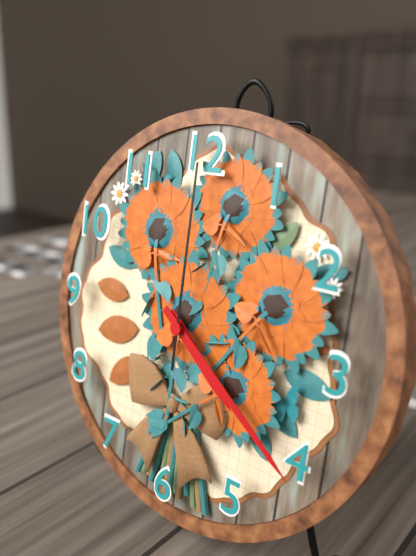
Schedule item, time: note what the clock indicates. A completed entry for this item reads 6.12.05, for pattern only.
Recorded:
4.21.00
